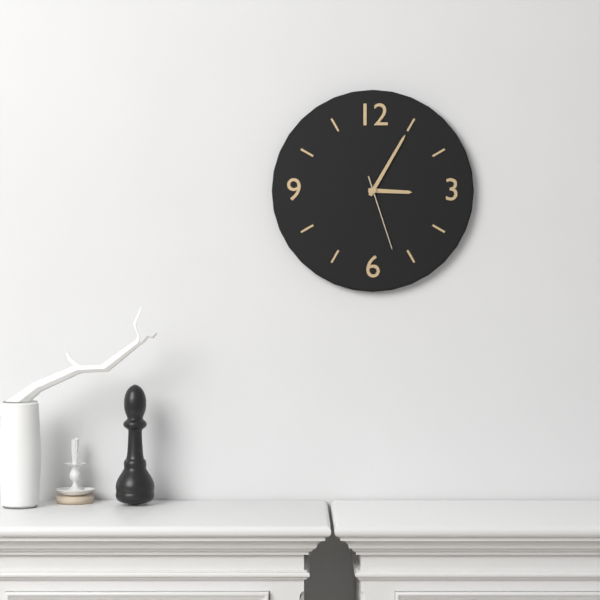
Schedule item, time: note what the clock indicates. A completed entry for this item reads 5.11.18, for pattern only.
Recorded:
3.05.27
